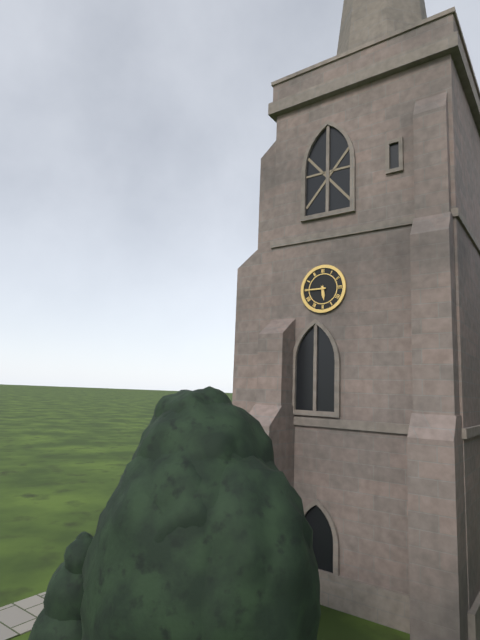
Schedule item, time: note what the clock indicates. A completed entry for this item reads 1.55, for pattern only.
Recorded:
5.45
